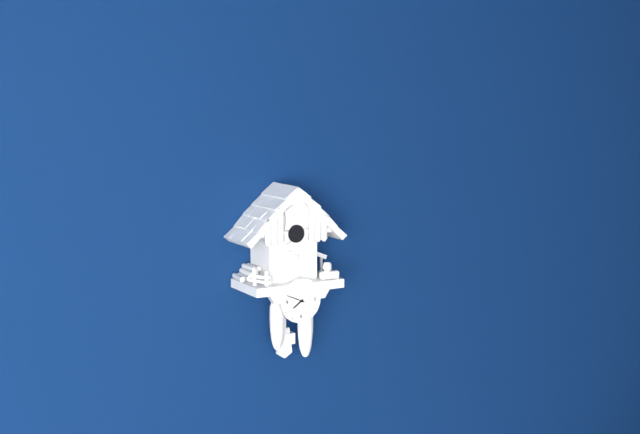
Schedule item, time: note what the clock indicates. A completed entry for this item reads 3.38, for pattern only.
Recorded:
7.49
